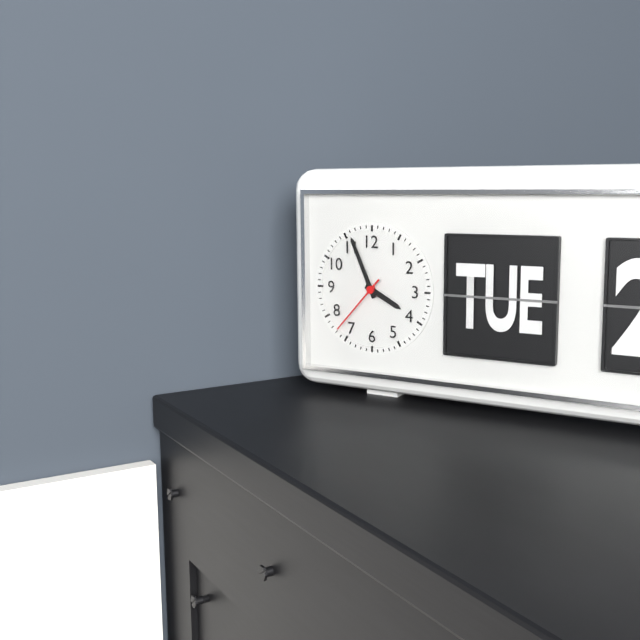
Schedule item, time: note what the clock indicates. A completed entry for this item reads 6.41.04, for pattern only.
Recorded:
3.56.37
